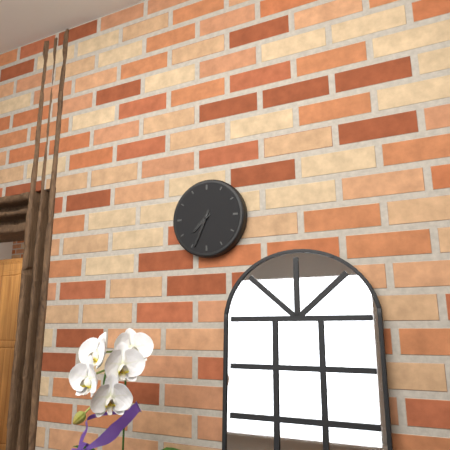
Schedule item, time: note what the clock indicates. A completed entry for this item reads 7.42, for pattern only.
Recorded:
7.34
